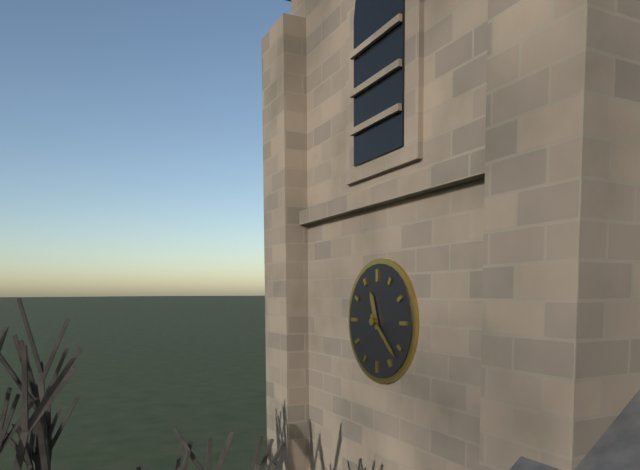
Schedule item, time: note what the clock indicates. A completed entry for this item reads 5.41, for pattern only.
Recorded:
11.22
